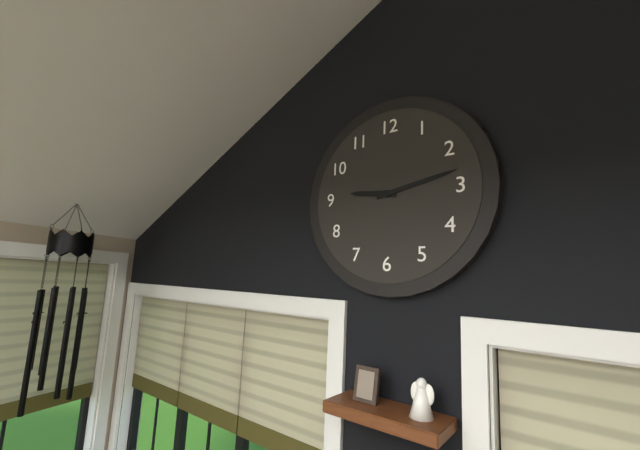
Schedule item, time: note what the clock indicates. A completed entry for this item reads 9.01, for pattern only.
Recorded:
9.13
